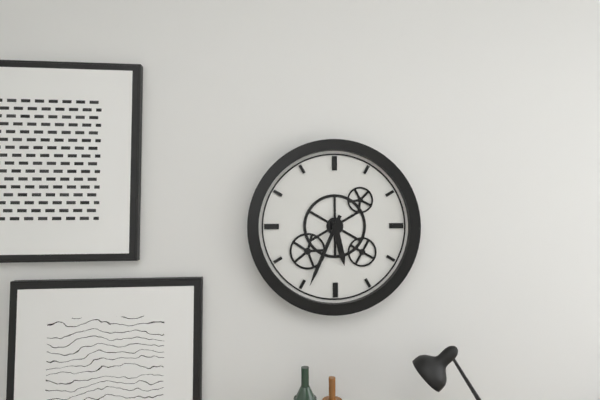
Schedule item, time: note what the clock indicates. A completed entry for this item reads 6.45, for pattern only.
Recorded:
5.34
